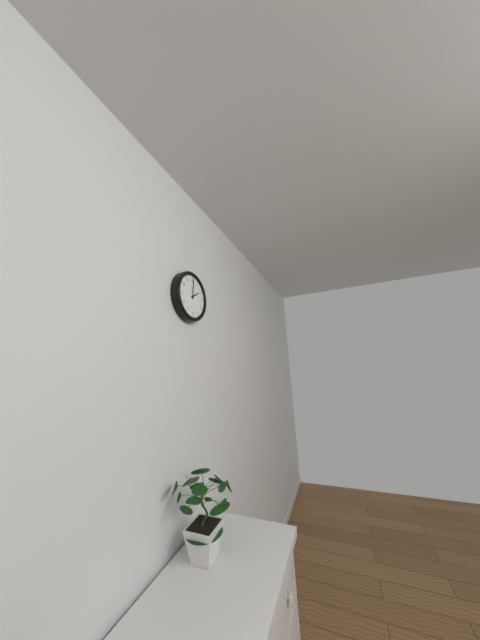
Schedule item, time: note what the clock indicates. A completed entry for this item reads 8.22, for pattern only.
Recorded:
2.01
